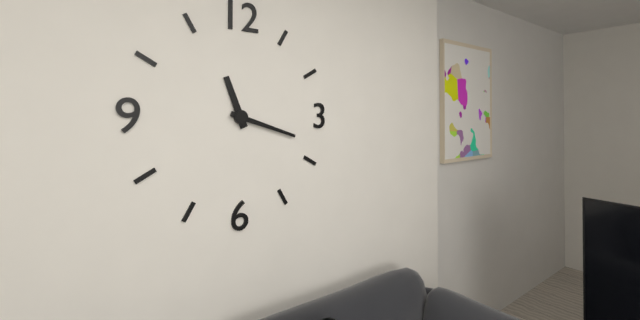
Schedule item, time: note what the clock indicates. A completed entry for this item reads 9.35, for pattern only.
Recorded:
11.18
